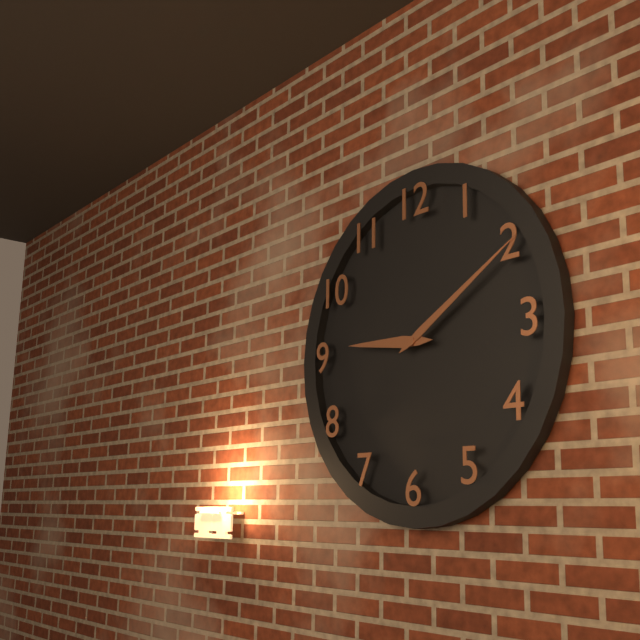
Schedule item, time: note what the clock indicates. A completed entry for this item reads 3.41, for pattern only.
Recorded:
9.10
